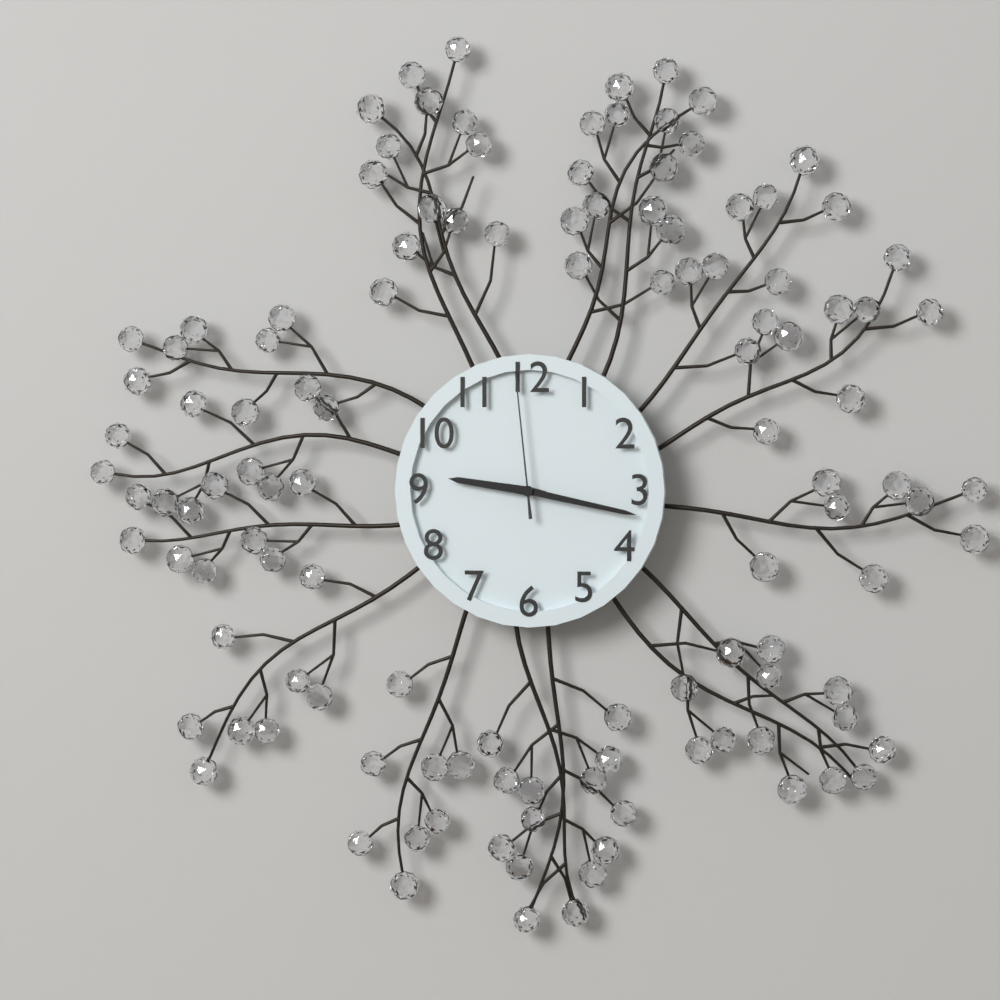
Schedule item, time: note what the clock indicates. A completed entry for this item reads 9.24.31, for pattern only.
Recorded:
9.17.59
